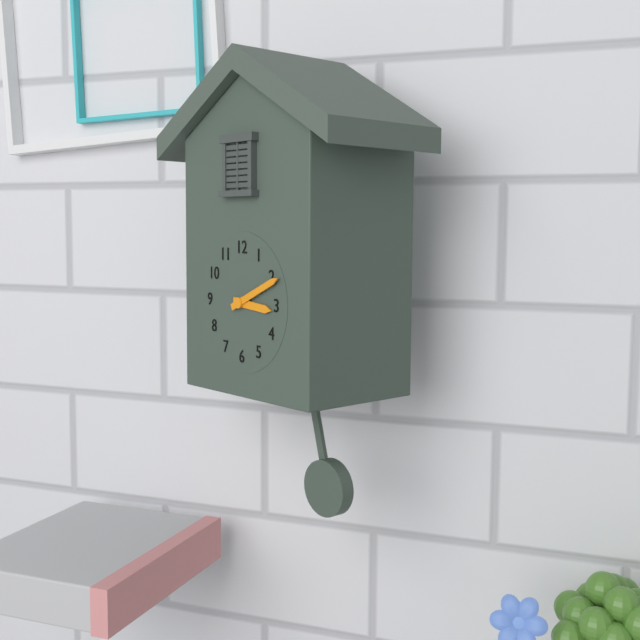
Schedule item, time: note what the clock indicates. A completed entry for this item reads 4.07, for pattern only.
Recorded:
3.11
